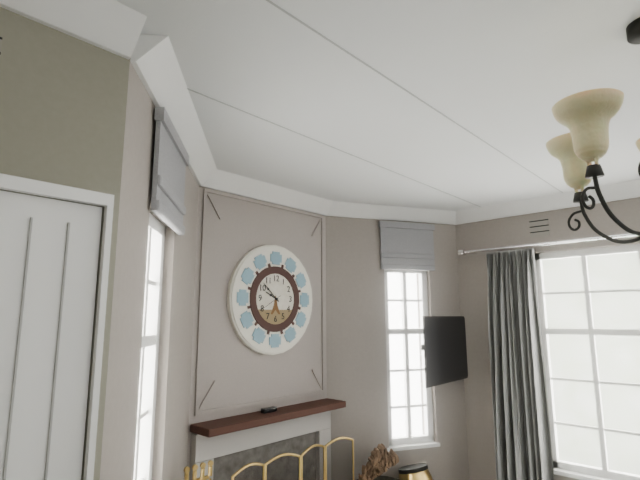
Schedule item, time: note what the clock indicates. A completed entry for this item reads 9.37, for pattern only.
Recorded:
9.52
